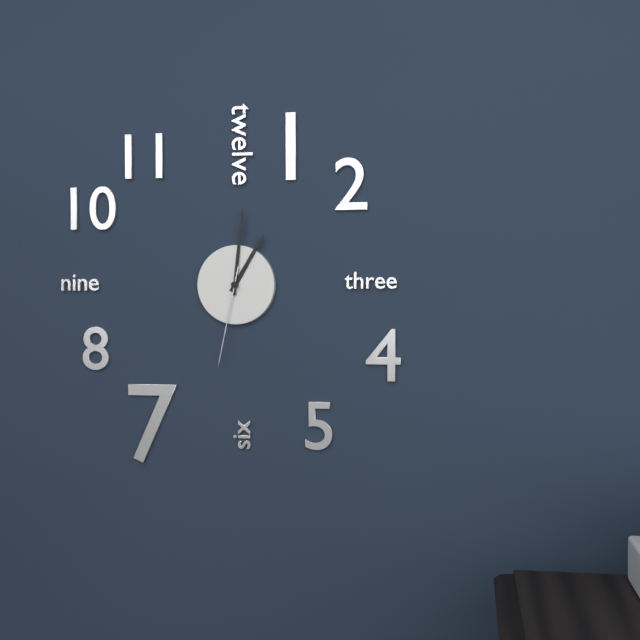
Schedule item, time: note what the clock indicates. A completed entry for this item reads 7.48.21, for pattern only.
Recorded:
1.01.32
